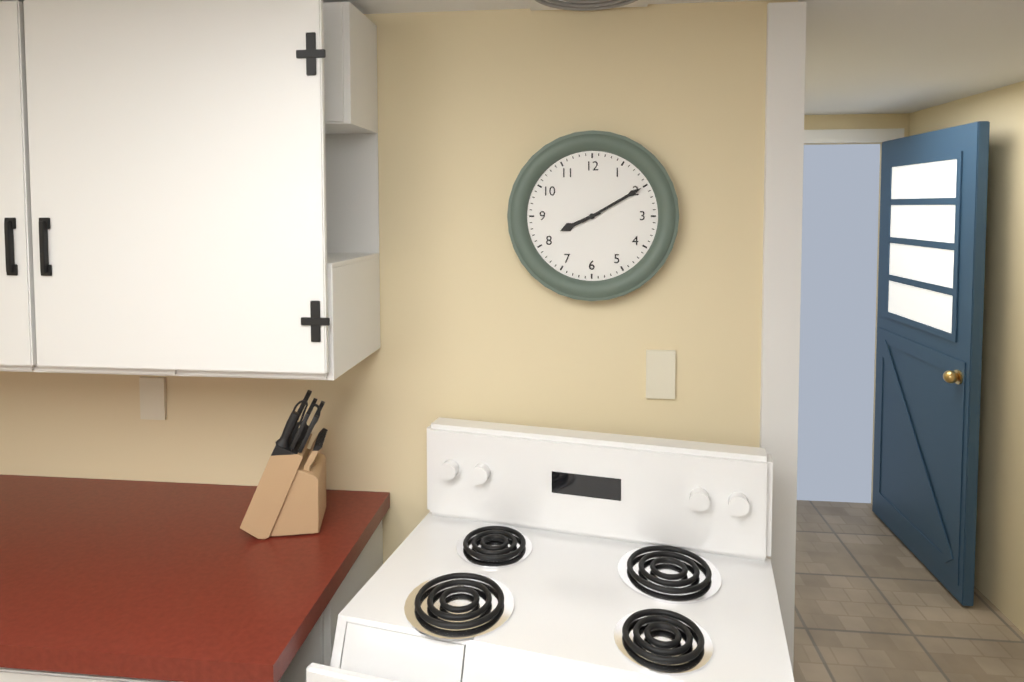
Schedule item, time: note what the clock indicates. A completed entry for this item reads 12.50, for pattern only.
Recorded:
8.10
